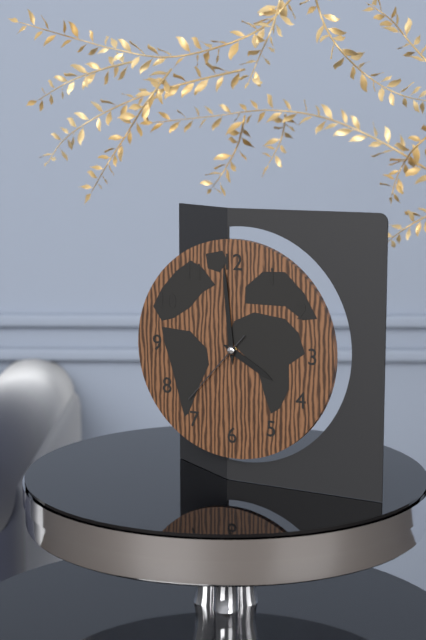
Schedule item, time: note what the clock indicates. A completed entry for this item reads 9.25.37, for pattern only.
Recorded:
3.59.37
